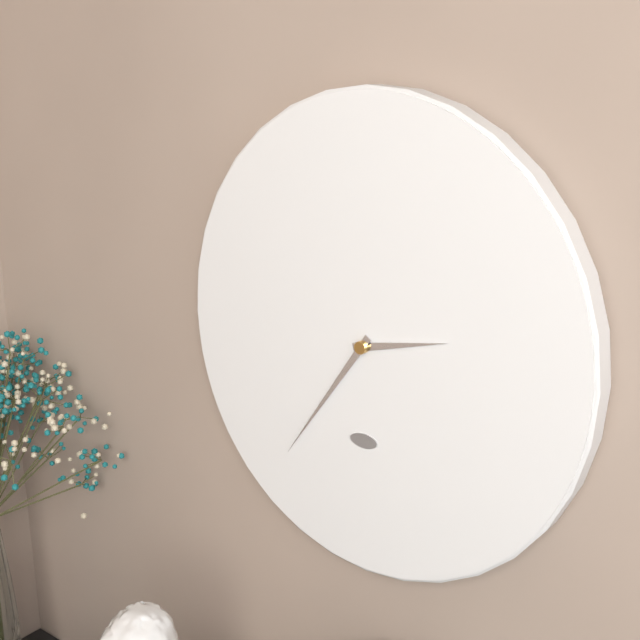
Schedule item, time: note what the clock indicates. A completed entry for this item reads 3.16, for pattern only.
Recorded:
2.36
